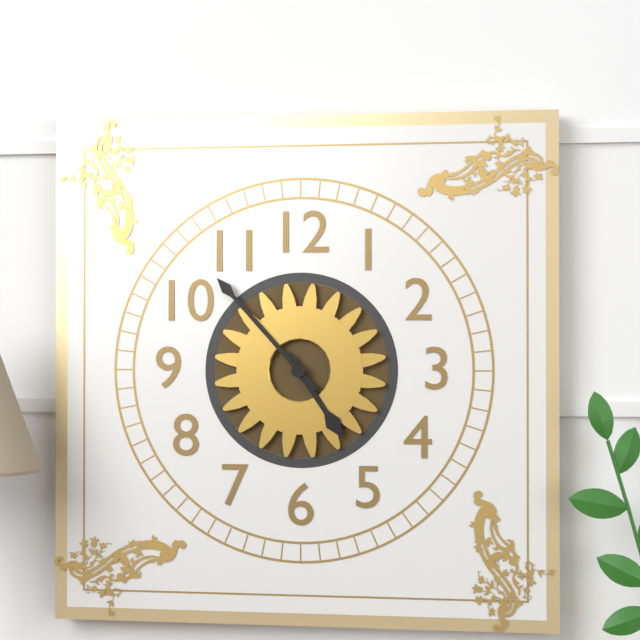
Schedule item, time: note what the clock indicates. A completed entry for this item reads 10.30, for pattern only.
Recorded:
4.53
